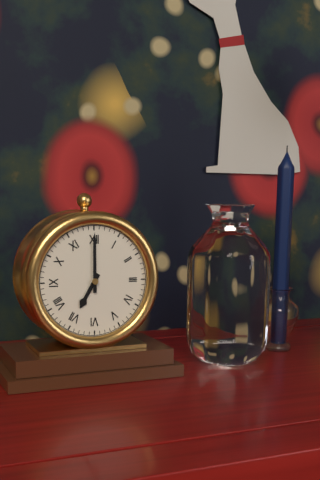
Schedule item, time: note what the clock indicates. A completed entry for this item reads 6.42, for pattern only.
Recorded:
7.00
